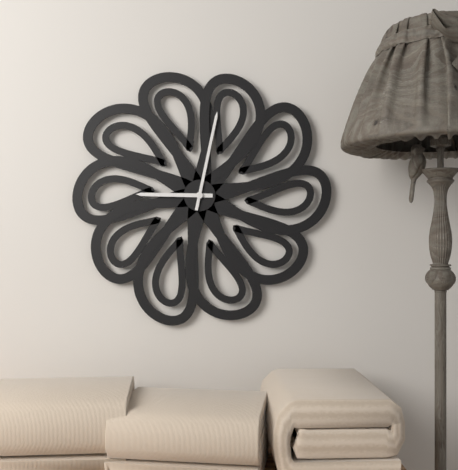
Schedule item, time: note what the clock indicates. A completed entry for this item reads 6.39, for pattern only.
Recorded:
9.02
